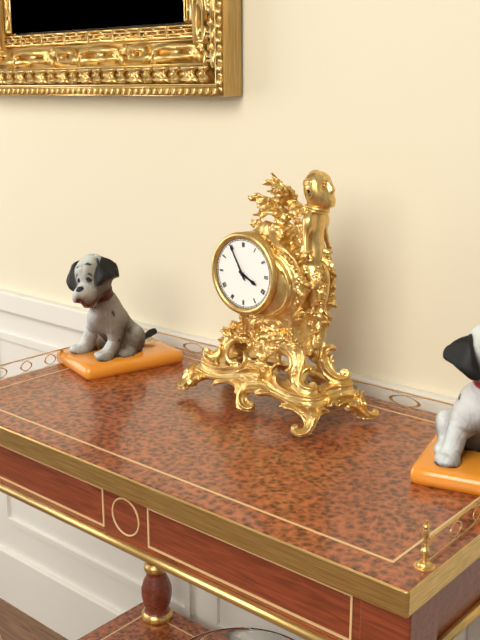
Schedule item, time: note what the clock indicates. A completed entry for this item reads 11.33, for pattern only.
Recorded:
3.55
